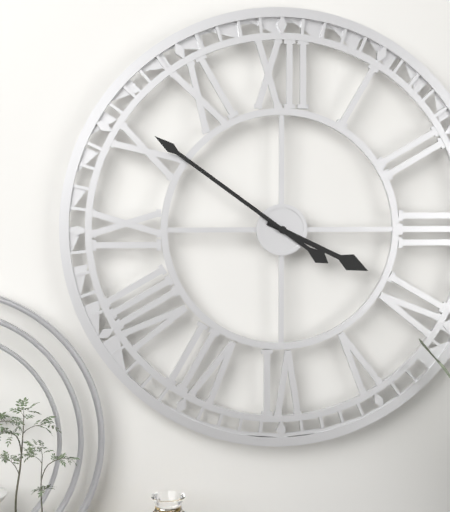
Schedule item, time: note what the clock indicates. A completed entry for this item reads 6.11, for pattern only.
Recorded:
3.51
